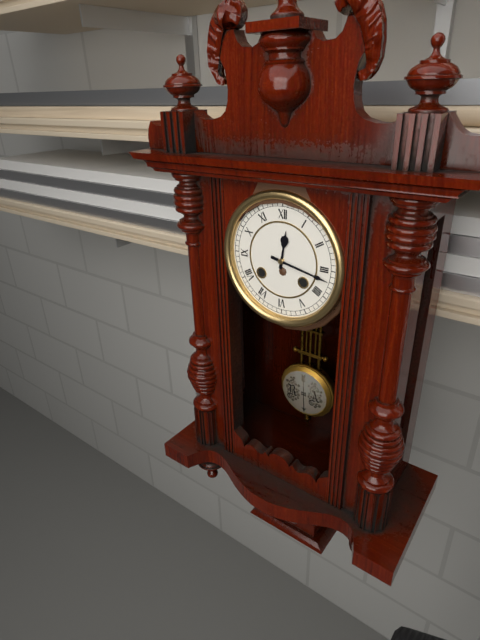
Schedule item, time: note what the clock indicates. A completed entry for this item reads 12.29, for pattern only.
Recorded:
12.17
